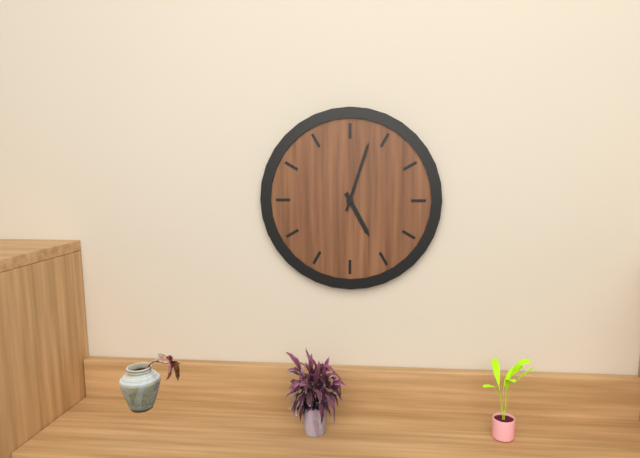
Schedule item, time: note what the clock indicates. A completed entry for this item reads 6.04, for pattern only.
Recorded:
5.03
